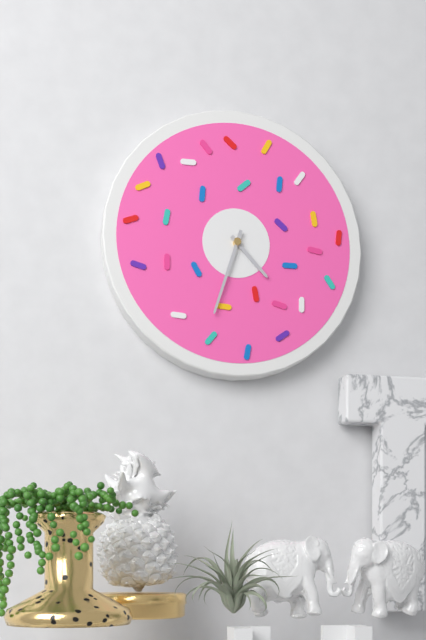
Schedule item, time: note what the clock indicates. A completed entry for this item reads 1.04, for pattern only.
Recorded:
4.33
